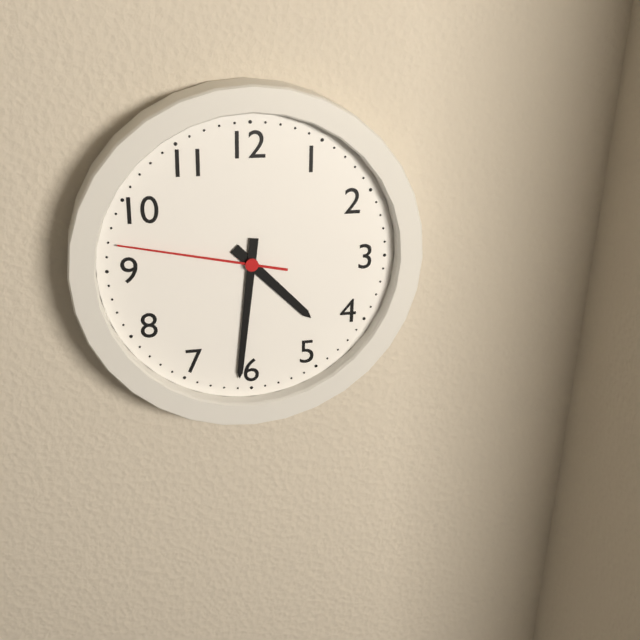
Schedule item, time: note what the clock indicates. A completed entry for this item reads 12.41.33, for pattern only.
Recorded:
4.31.47
